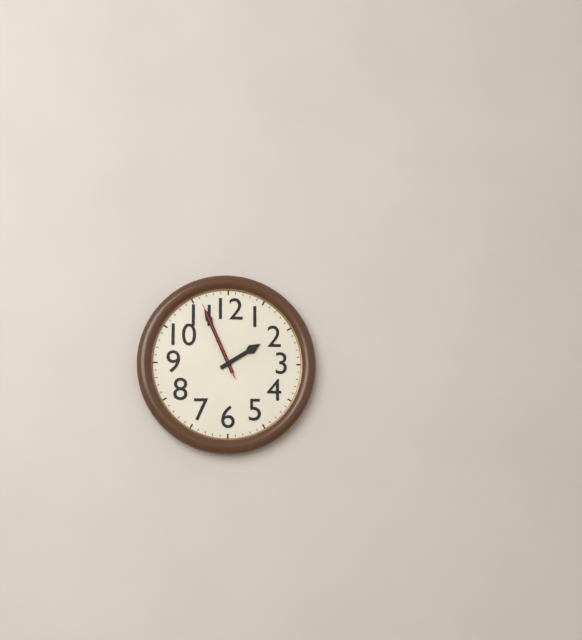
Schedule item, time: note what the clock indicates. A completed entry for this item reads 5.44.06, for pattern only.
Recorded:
1.56.56
